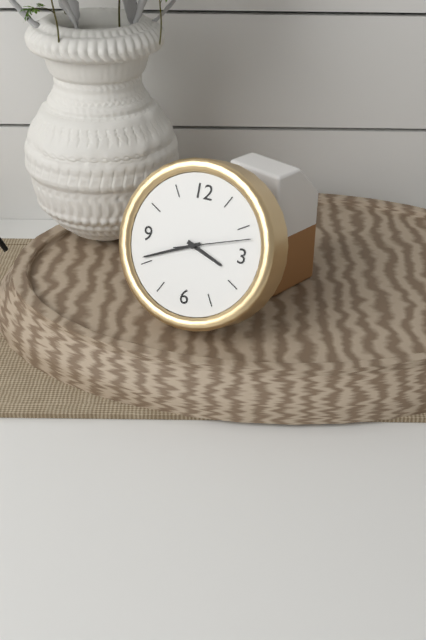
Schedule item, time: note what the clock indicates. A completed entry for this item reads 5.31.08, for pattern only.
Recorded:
3.41.12
